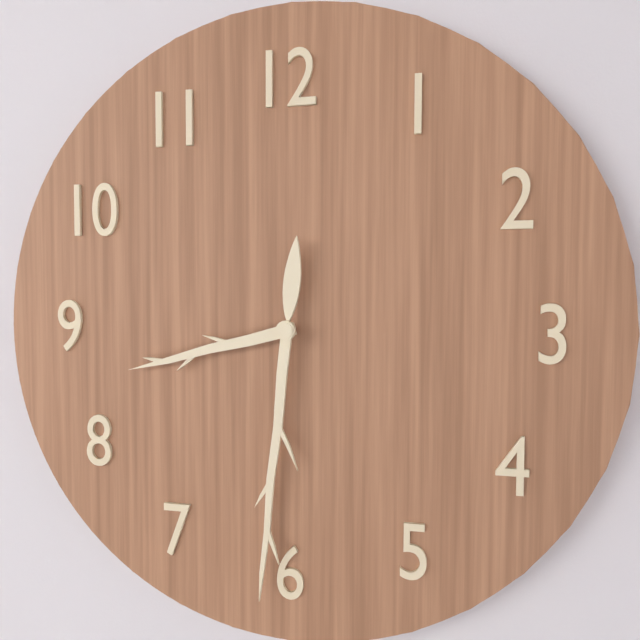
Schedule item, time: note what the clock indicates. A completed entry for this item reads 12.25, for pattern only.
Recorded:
8.31
